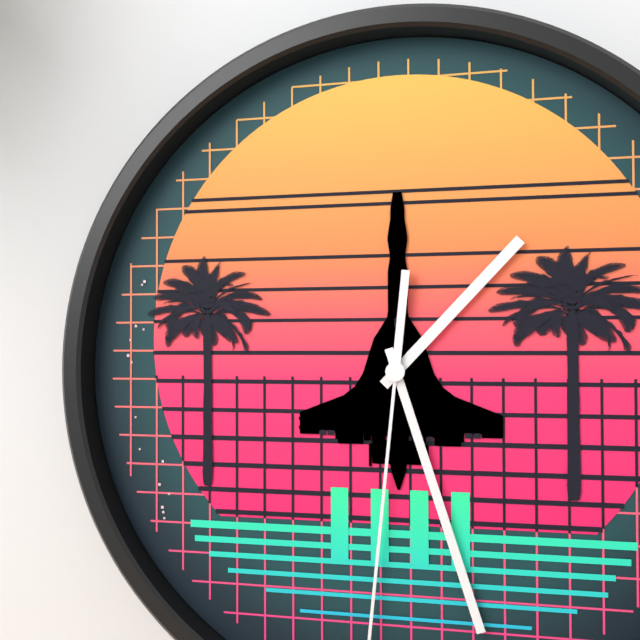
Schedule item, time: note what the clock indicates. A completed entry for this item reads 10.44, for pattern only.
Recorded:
1.27
